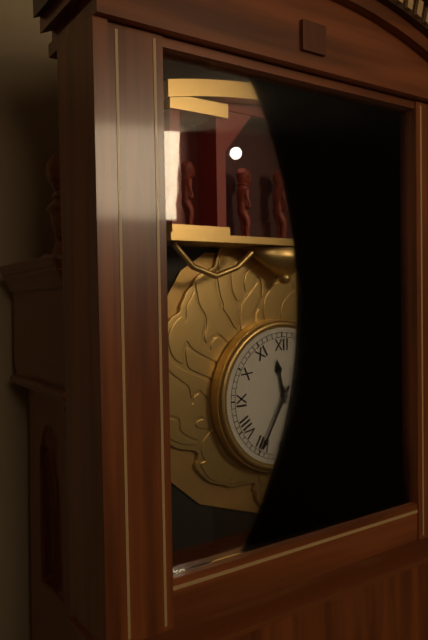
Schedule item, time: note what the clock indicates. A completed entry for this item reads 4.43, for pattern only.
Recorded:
11.35
